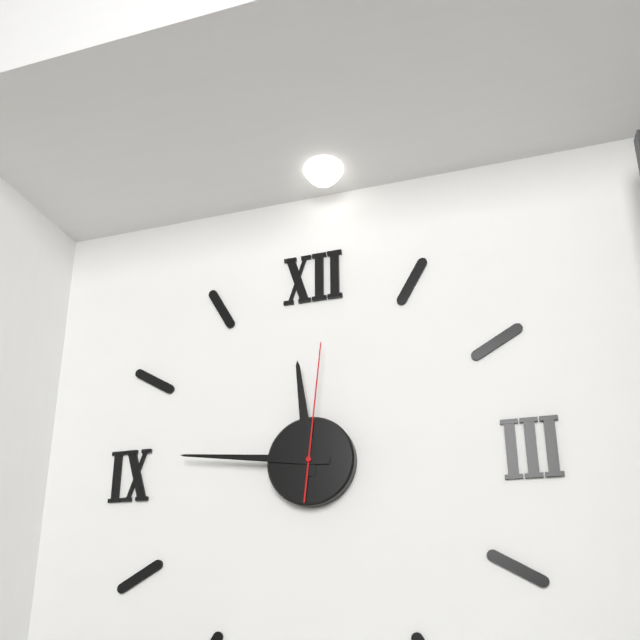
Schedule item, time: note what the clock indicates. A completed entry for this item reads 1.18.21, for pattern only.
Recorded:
11.46.01
